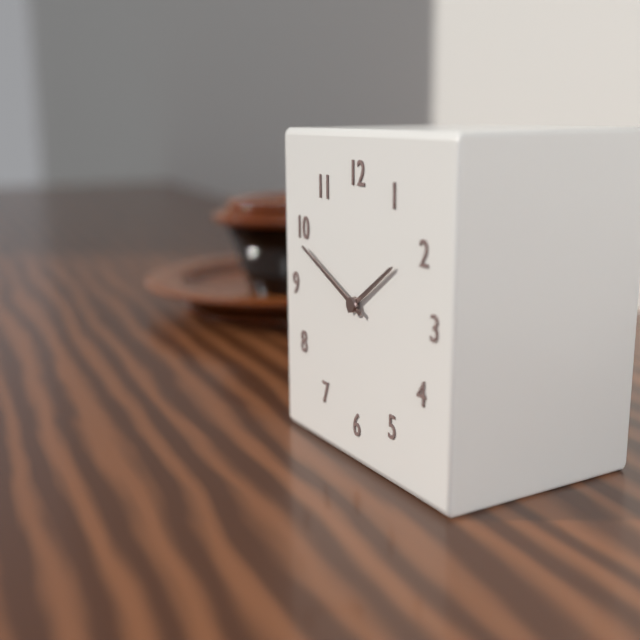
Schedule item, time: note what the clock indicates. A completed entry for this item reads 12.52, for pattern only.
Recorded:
1.49
